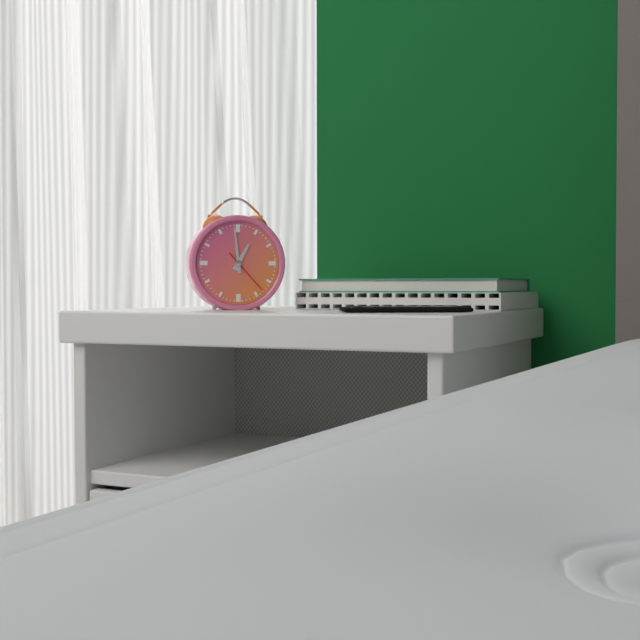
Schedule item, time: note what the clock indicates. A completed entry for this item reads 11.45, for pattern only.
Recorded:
12.59
